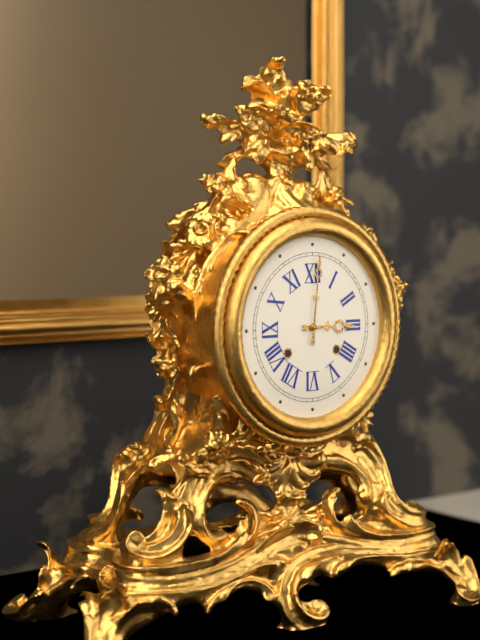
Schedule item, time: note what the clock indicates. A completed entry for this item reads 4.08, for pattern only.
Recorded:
3.01
